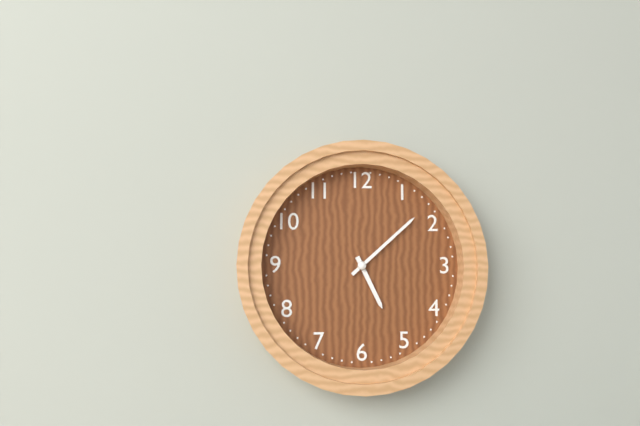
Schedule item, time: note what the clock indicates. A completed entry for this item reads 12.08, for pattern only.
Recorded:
5.08
